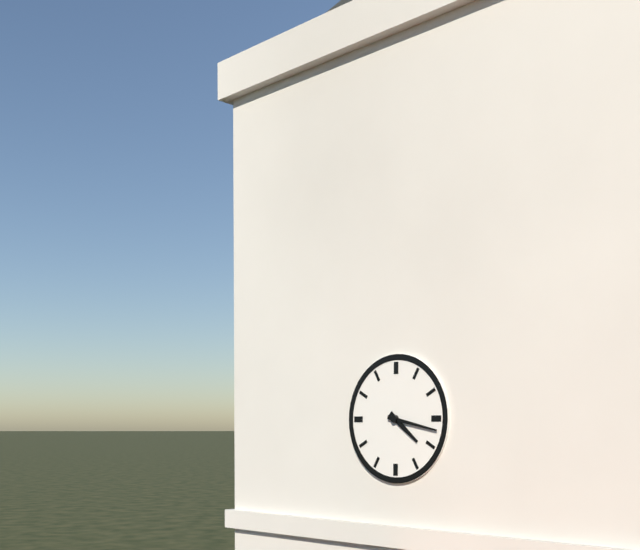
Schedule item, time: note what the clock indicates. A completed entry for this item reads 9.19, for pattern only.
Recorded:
4.17
